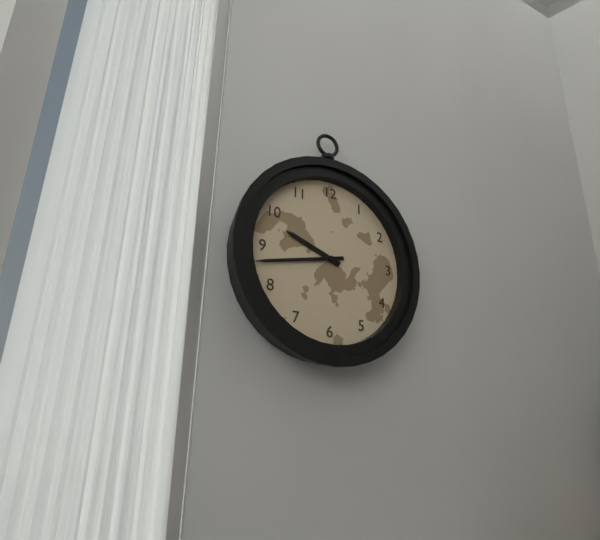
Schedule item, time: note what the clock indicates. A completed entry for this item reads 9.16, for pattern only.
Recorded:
9.43
